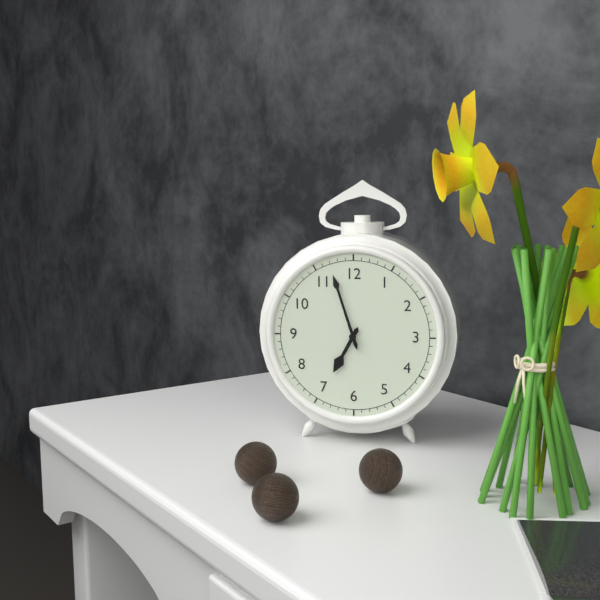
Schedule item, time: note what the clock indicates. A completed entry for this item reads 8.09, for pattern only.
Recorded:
6.57
